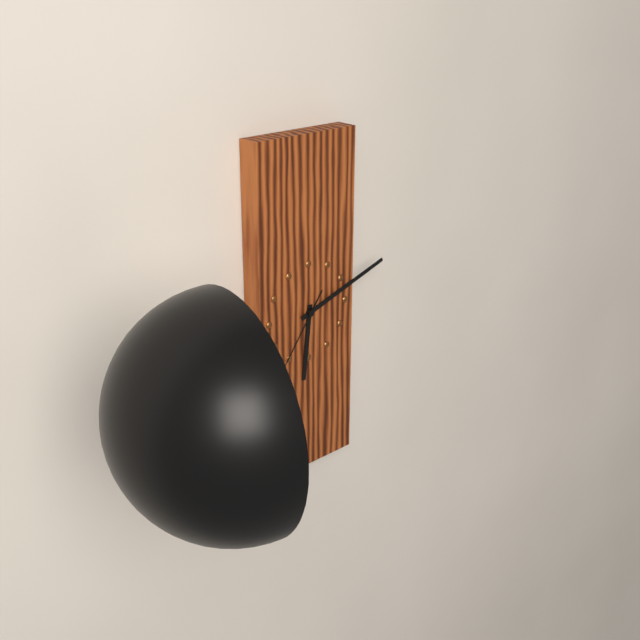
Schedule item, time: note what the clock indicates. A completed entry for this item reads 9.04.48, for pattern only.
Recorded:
6.12.36
